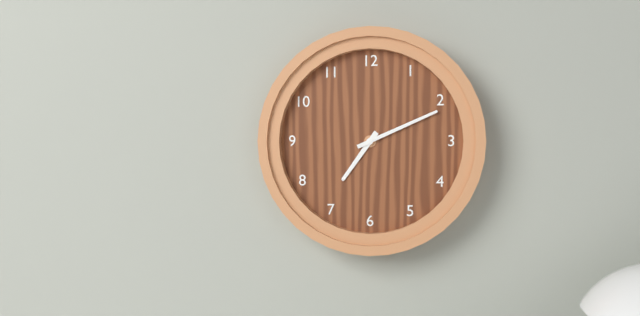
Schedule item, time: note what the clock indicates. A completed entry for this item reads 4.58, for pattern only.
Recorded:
7.11
